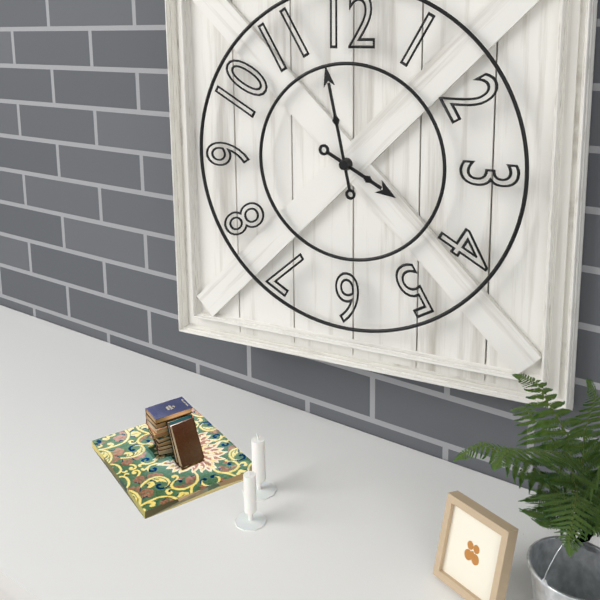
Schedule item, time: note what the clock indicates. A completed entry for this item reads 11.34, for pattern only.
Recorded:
3.58
